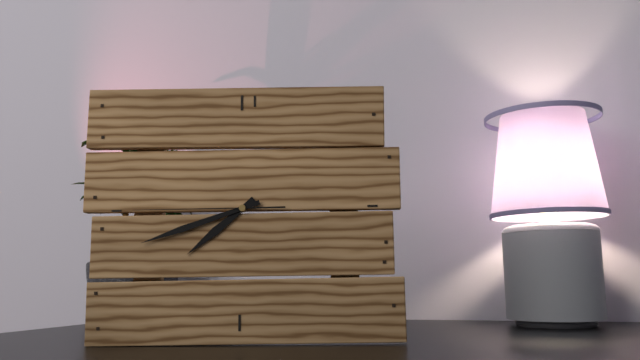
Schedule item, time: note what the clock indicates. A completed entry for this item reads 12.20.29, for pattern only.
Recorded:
7.42.45
